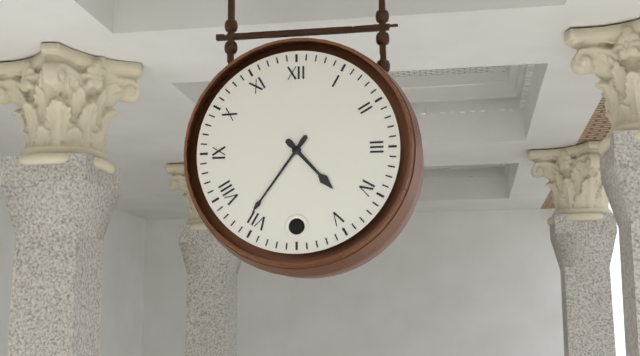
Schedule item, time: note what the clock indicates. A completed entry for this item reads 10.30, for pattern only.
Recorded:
4.36
